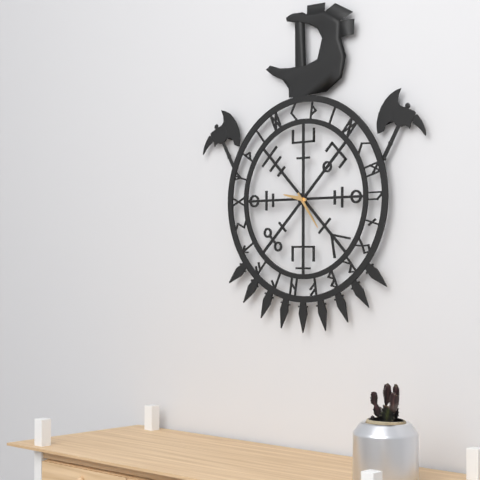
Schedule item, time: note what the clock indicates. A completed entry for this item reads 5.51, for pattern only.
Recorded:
9.24
